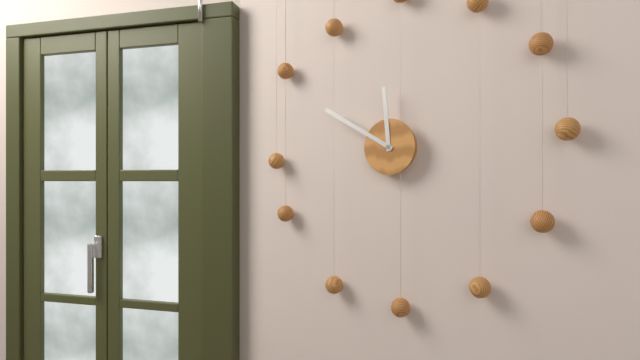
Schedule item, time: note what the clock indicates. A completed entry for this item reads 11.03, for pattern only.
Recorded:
11.50
